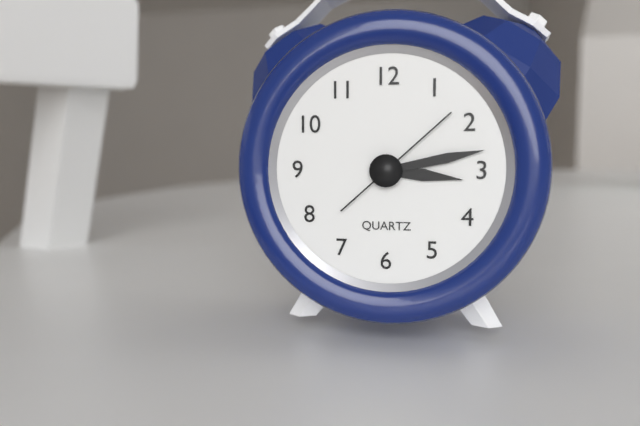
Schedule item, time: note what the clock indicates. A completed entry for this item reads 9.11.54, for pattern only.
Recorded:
3.13.08
